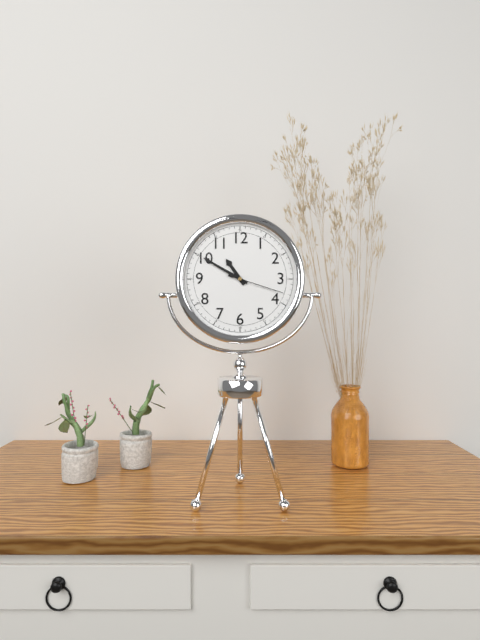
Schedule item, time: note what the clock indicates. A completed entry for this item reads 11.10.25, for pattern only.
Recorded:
10.50.18
